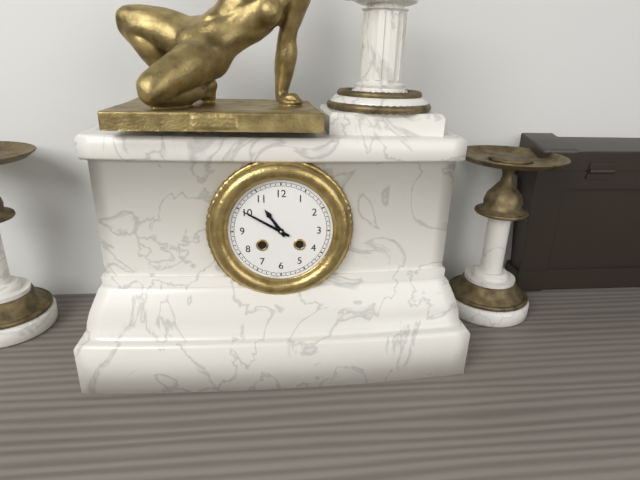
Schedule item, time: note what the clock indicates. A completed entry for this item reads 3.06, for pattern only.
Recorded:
10.50
